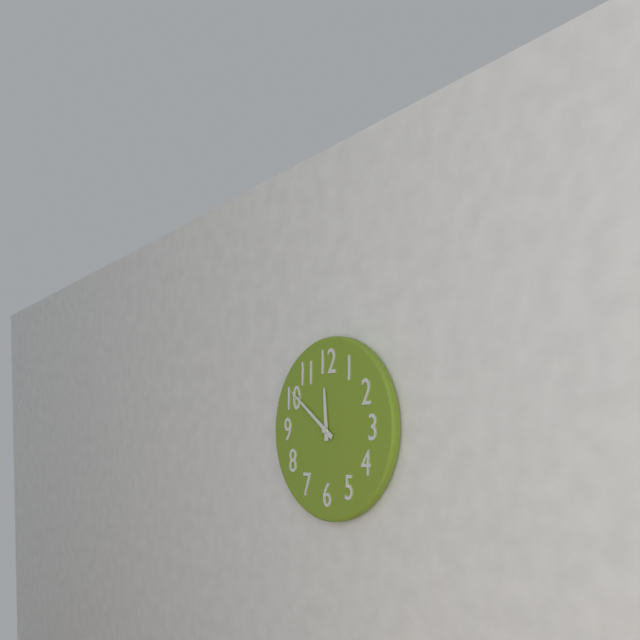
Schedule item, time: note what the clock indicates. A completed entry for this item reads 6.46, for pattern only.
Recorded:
11.51
